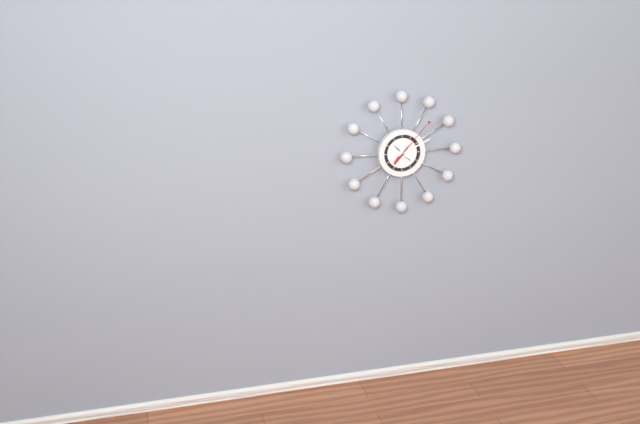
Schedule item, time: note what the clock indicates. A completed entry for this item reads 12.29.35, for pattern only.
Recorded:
4.11.07
